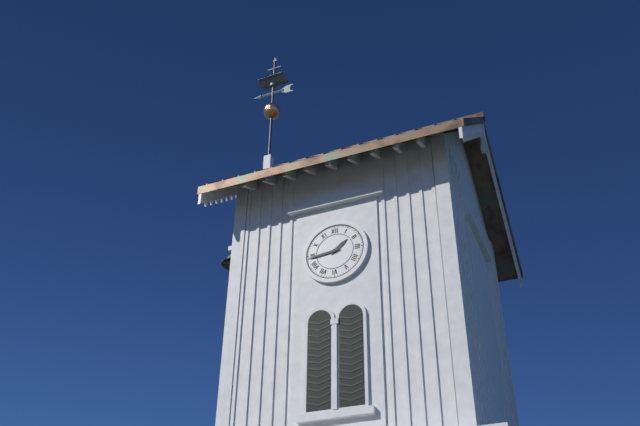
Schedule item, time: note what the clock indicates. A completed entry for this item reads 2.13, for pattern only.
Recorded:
1.44
